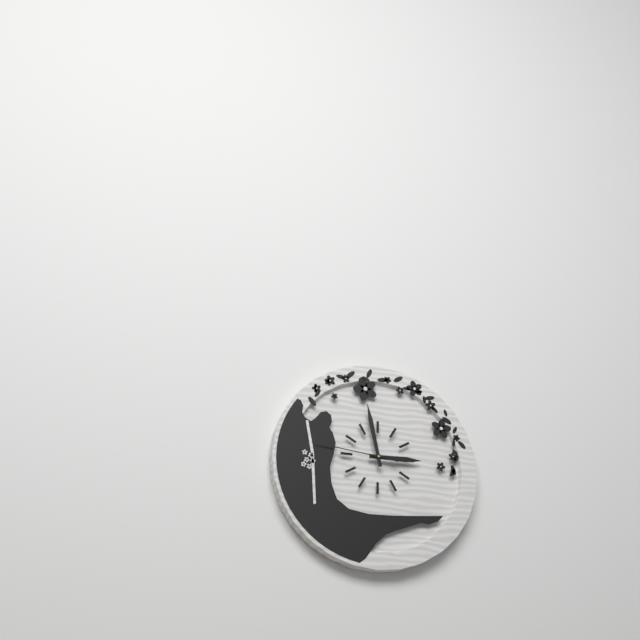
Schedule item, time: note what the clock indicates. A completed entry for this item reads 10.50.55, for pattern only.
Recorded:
2.58.46
